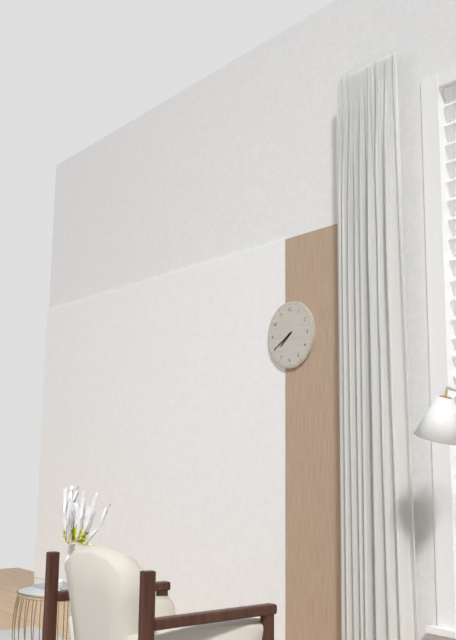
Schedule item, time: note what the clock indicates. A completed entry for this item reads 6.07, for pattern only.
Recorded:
7.40
